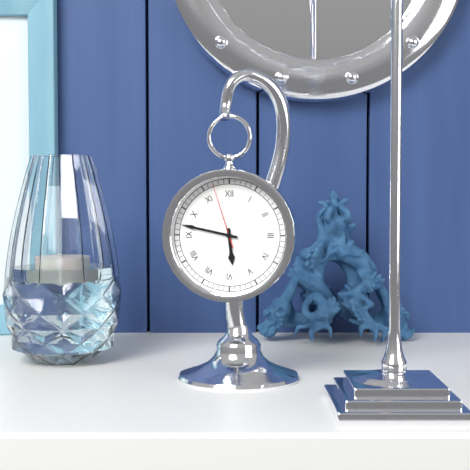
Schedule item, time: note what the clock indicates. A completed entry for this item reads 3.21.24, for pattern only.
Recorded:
5.47.57
